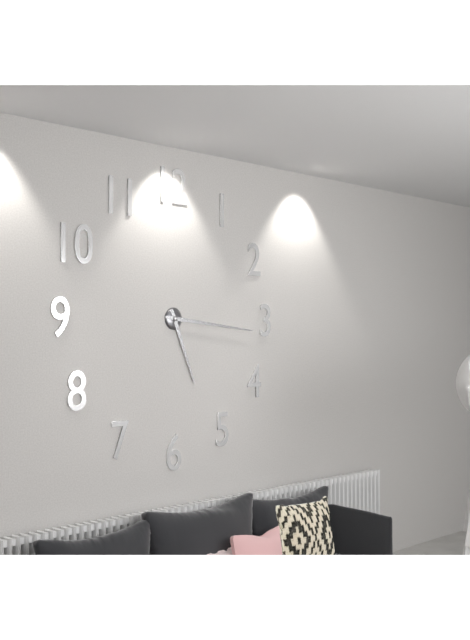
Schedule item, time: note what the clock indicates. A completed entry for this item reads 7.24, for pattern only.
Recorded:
5.16
